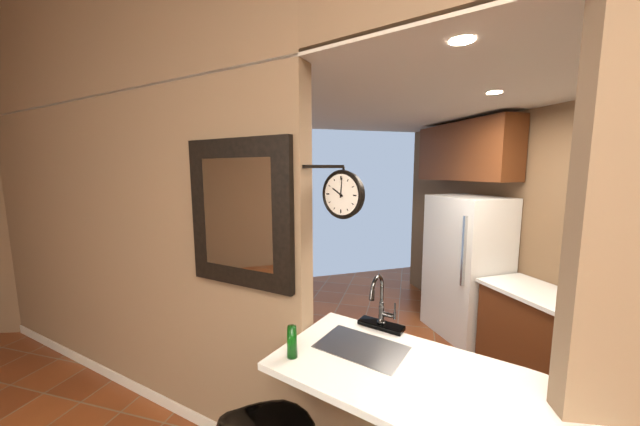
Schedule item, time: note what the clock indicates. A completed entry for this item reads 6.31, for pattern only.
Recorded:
10.01
